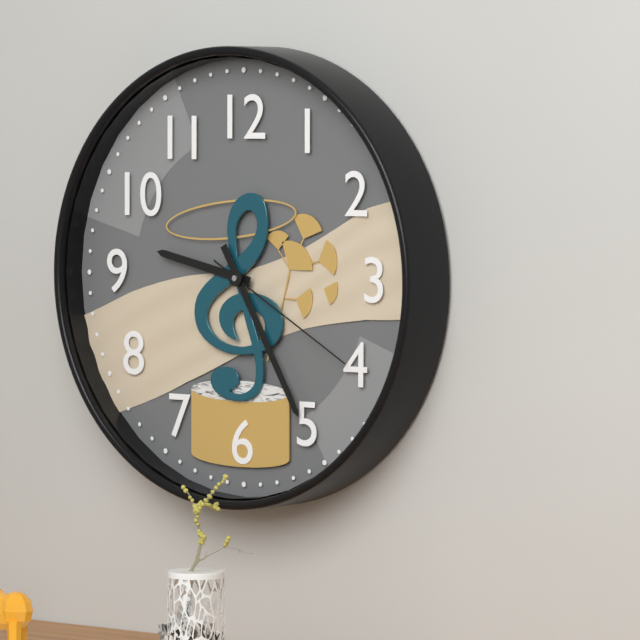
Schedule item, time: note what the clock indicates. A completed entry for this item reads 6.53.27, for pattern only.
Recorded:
9.25.20
